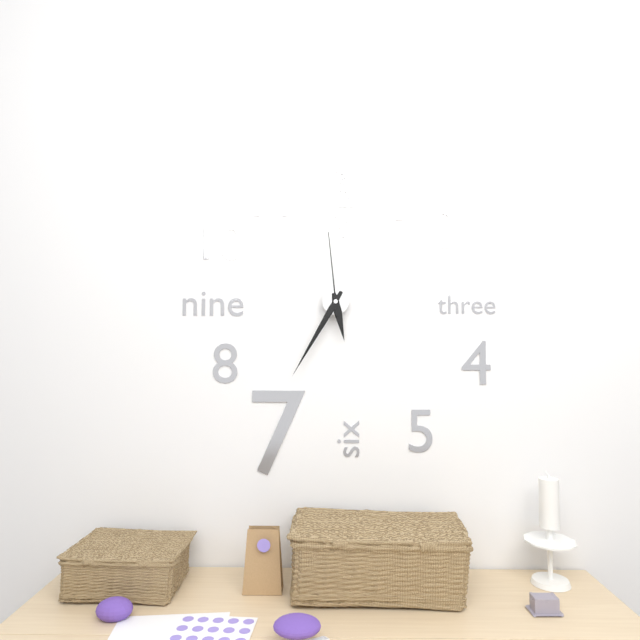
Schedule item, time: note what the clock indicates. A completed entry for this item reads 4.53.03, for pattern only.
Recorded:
5.35.59
